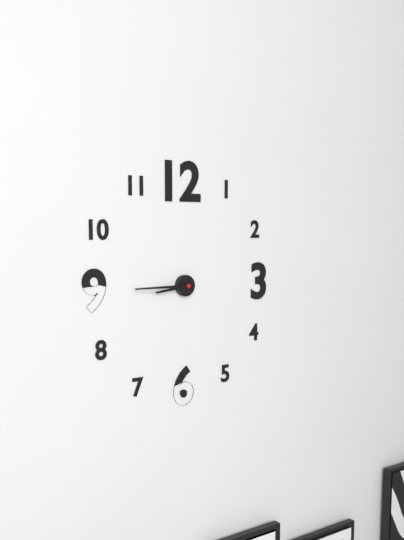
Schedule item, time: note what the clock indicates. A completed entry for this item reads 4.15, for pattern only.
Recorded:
8.45
